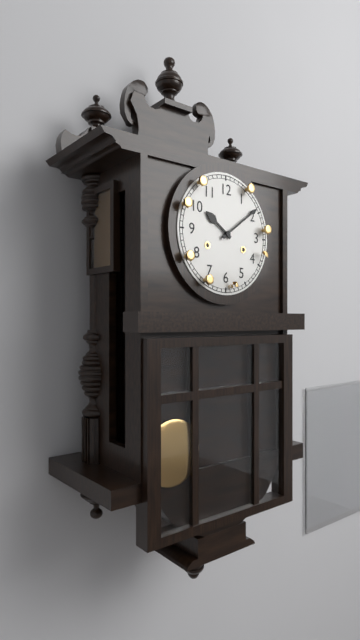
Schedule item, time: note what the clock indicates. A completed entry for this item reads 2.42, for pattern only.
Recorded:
10.09
